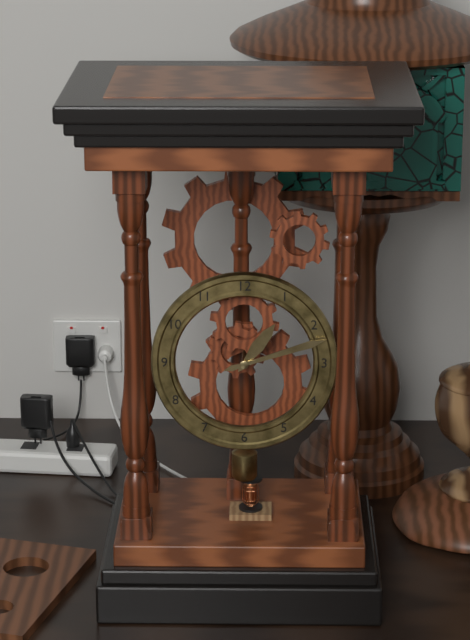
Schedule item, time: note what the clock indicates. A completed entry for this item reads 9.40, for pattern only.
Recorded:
1.12
